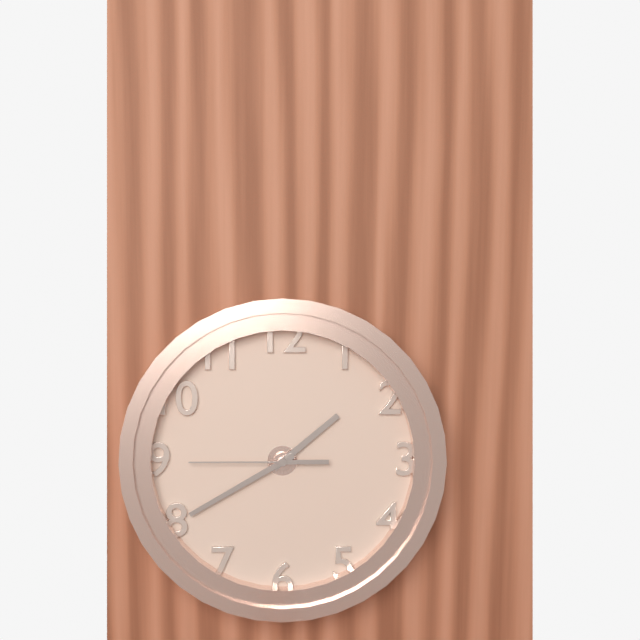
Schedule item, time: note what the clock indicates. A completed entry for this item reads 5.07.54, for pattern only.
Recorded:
1.40.45
